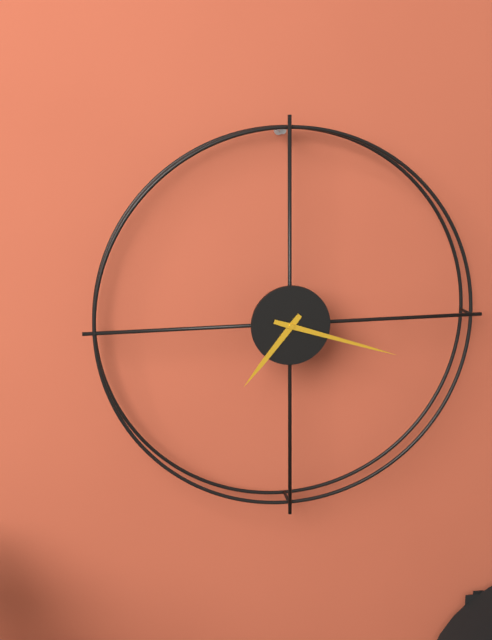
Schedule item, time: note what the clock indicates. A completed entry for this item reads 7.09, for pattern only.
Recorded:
7.18
